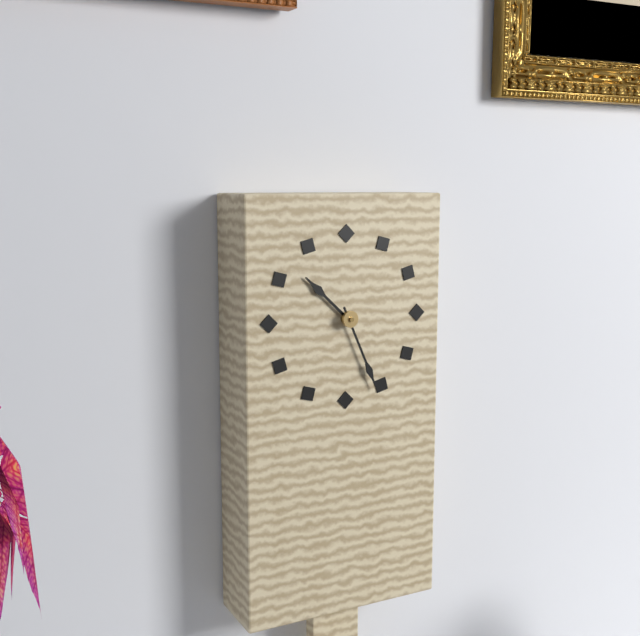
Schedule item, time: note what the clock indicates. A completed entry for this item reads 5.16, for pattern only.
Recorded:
10.26
